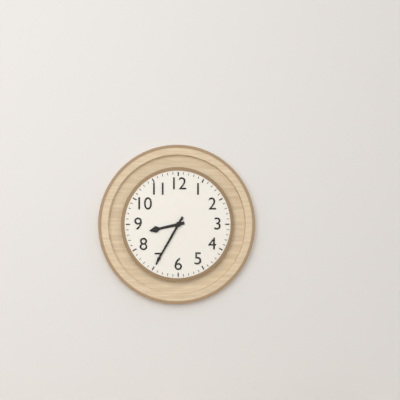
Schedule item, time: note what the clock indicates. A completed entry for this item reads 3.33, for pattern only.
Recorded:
8.35
